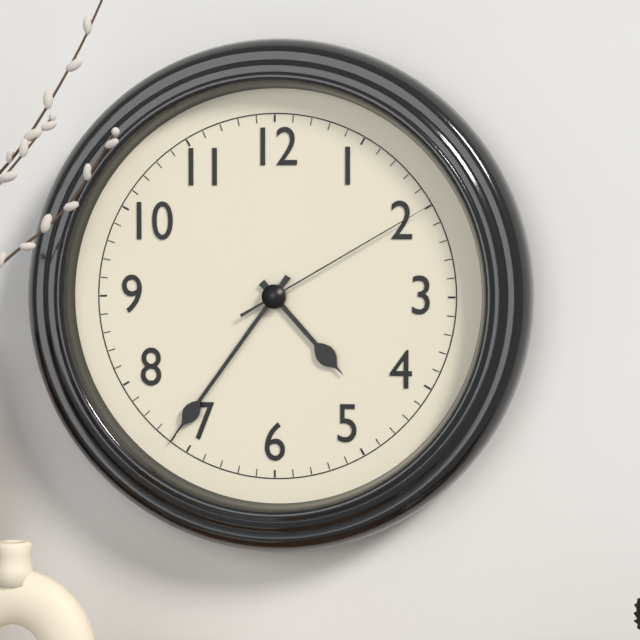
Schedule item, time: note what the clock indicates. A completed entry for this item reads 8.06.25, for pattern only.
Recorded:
4.36.10
